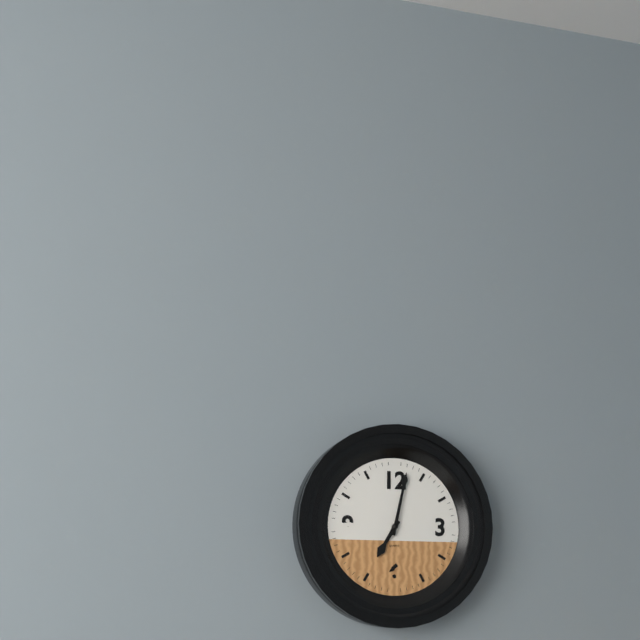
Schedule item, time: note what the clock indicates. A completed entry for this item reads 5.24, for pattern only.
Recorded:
7.02
